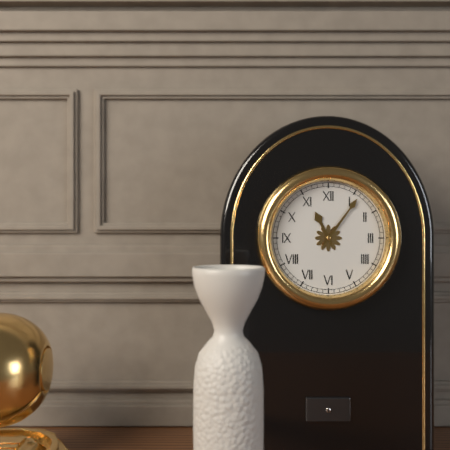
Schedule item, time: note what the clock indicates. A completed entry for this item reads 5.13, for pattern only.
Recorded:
11.06
